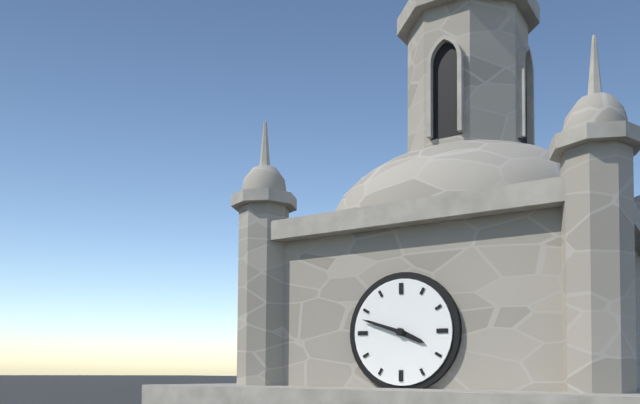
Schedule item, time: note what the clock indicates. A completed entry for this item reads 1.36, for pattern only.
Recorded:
3.48
